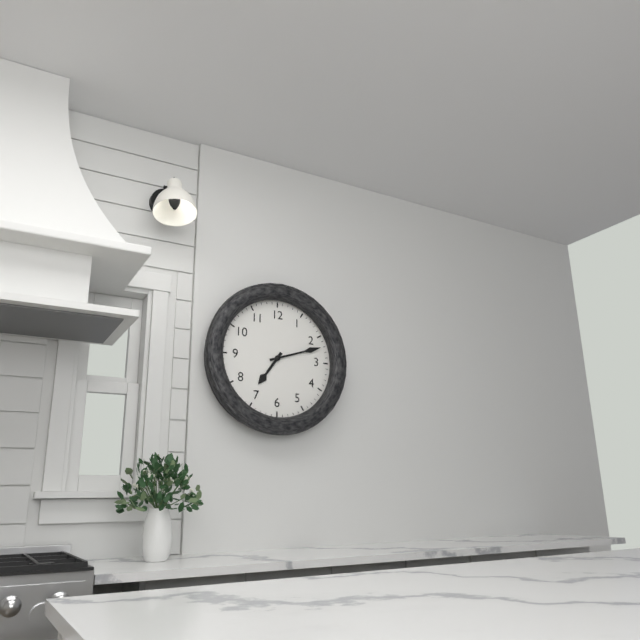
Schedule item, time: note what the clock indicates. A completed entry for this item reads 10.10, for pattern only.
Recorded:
7.12
